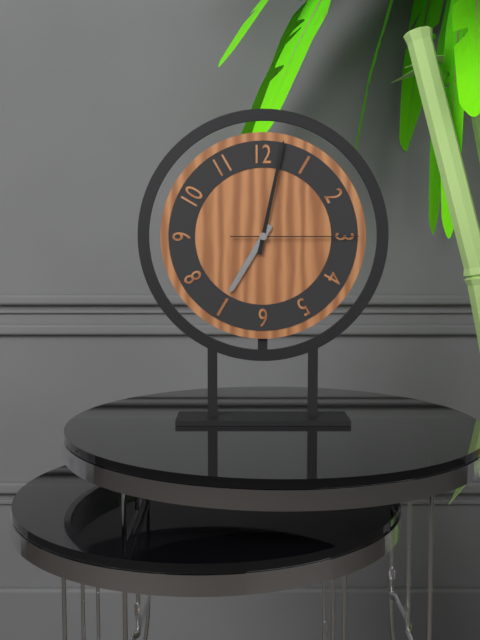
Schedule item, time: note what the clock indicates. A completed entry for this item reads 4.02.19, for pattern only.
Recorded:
7.02.15
